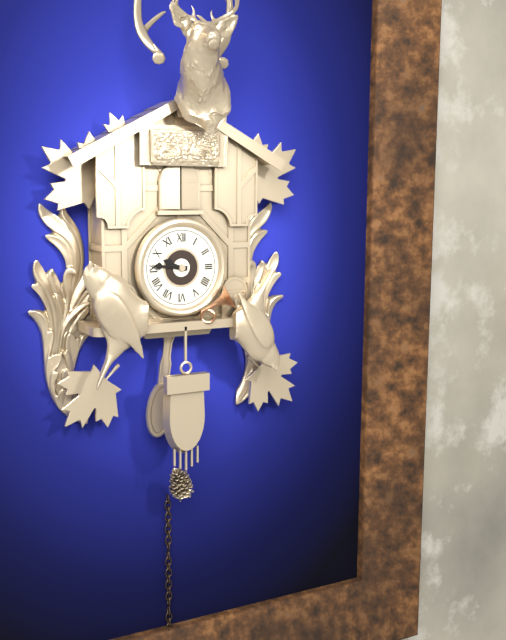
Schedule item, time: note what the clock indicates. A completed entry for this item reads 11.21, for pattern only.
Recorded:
9.46
